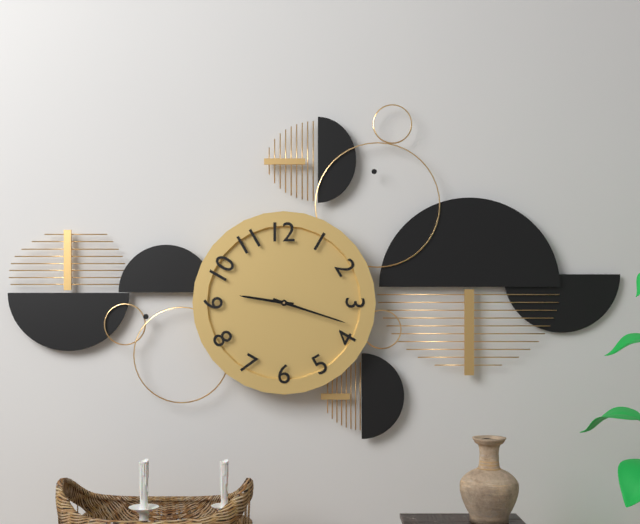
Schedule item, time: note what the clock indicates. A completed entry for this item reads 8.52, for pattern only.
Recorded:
9.18
